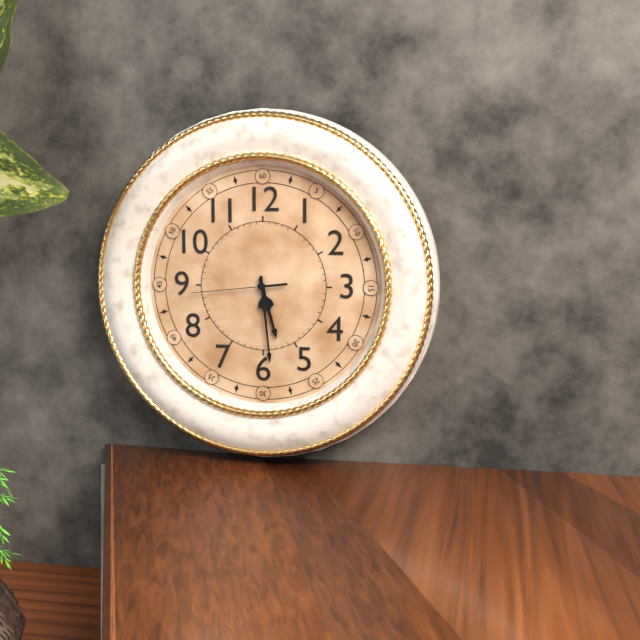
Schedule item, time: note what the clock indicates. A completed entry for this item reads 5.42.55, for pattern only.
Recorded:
5.29.44
